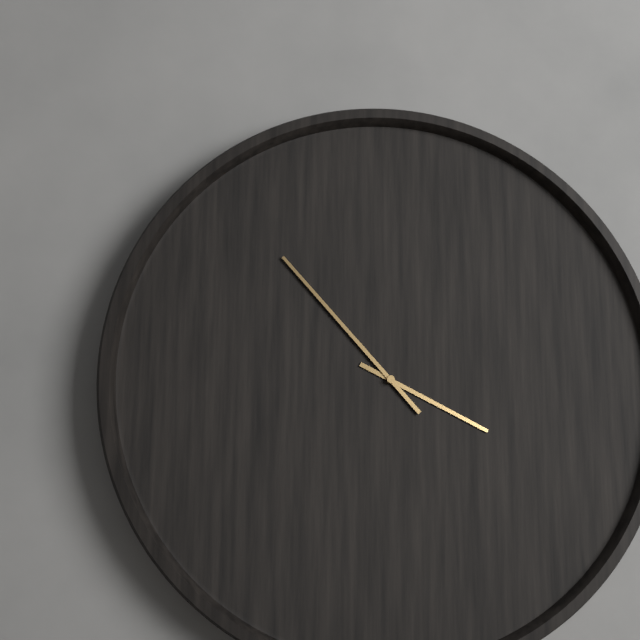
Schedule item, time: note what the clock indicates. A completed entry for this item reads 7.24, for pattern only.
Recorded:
3.53
